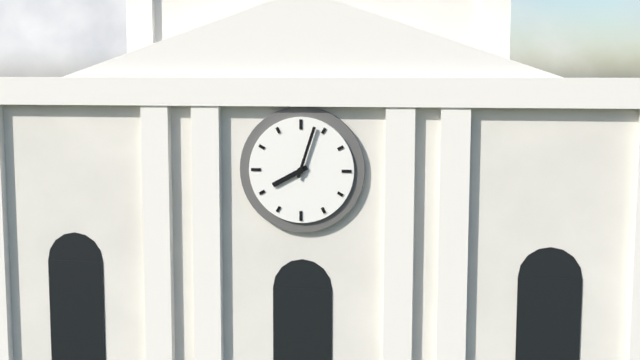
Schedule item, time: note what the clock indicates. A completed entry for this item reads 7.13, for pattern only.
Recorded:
8.03
